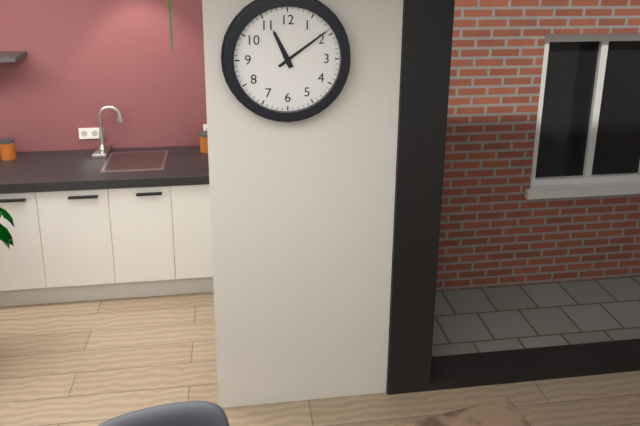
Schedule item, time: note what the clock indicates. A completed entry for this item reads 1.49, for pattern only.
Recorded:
11.09
